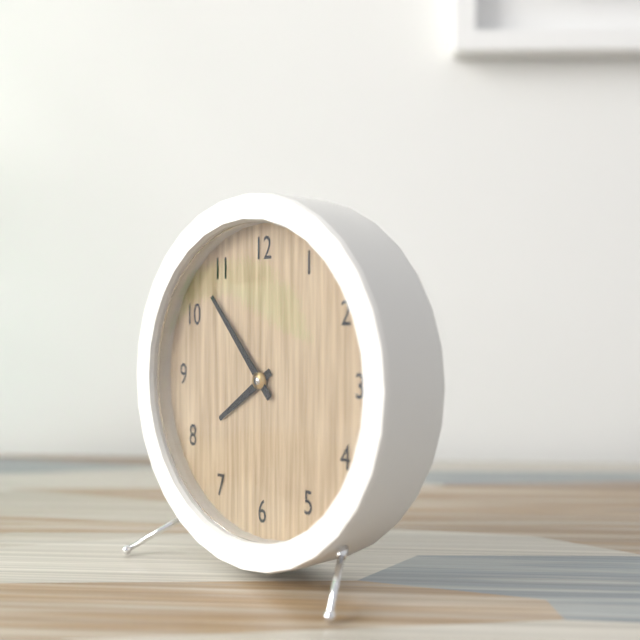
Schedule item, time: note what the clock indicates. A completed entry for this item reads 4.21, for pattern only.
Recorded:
7.53
